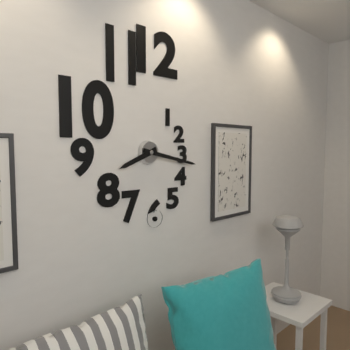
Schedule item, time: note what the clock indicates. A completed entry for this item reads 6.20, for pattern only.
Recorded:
8.17
